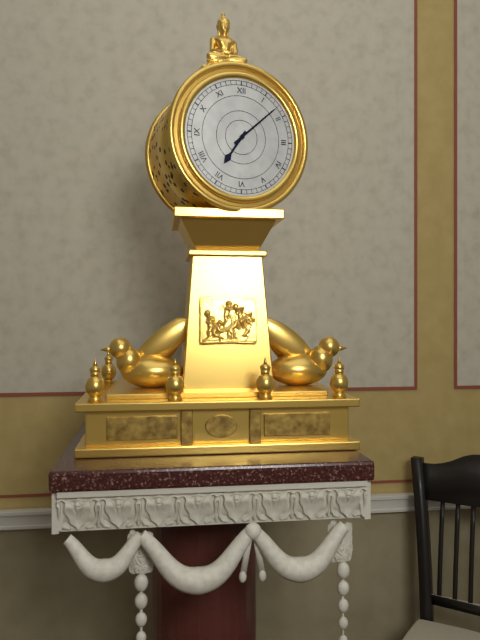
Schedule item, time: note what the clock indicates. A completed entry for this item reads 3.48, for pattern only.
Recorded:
7.08
